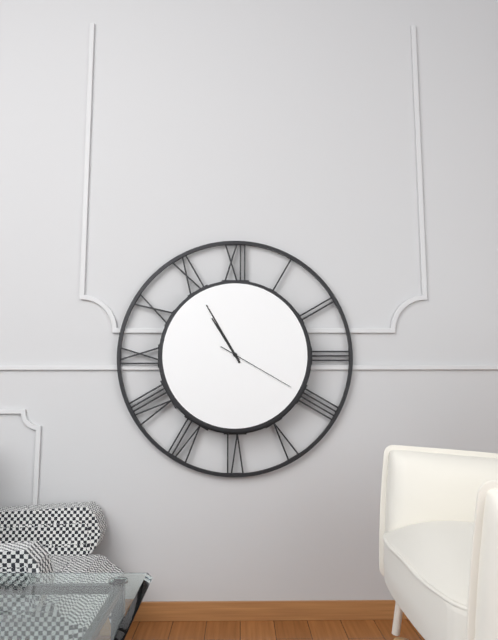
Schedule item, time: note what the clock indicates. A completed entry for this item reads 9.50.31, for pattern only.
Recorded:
10.55.20
